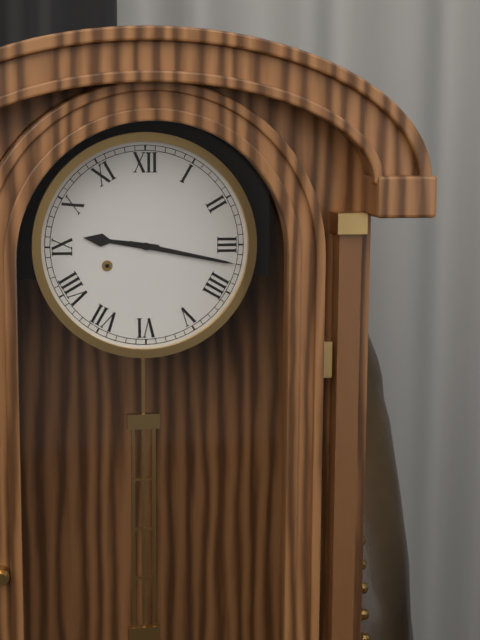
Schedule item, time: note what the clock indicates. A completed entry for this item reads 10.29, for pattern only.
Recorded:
9.17
